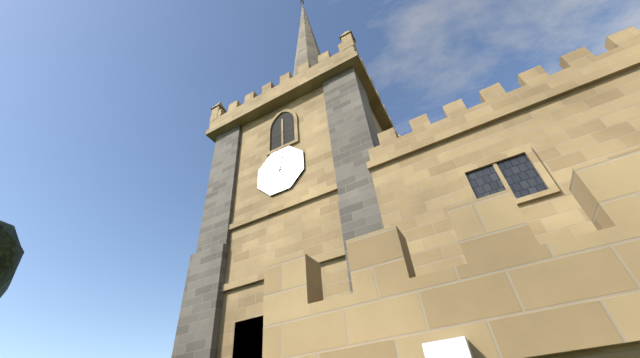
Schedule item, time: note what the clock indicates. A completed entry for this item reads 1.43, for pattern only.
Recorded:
9.02
